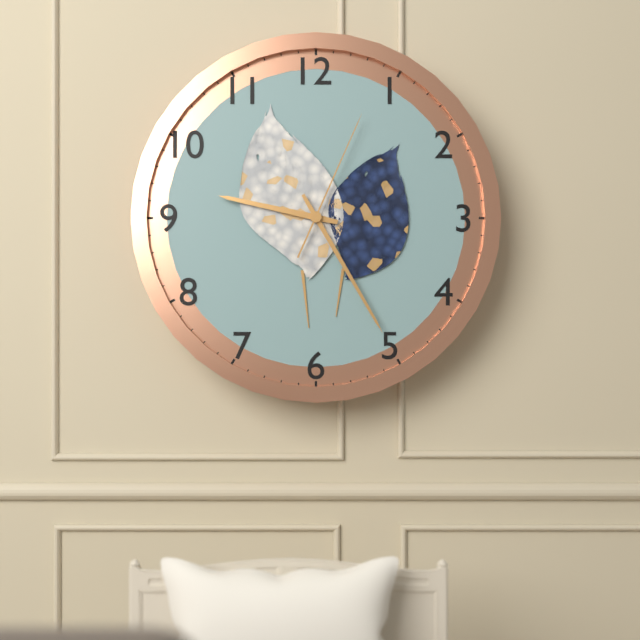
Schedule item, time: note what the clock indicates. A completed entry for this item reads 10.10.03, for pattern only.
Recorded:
9.25.04
